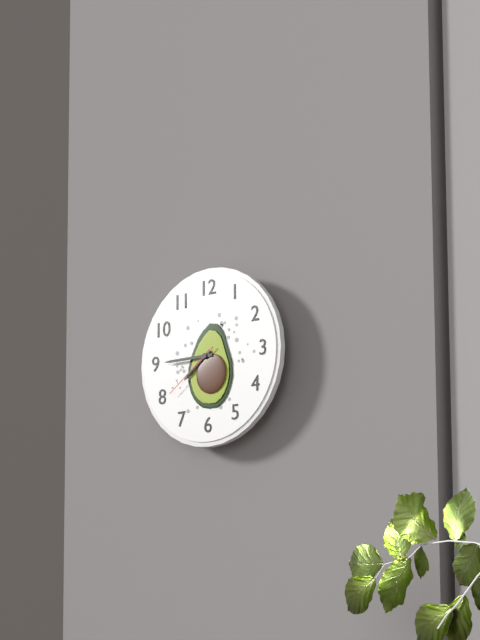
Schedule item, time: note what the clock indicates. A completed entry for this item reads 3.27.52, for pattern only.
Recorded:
7.45.39
